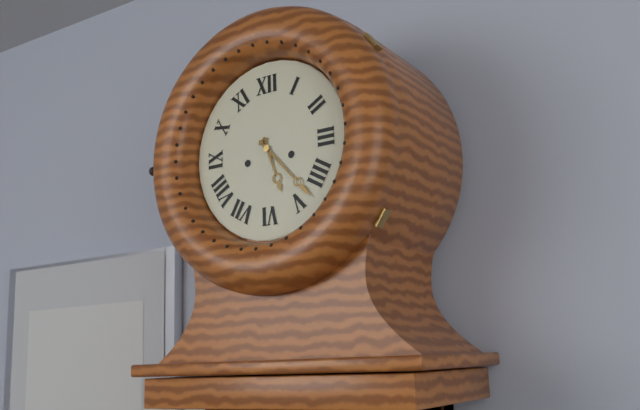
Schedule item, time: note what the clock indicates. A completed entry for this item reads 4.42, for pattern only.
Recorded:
5.23
